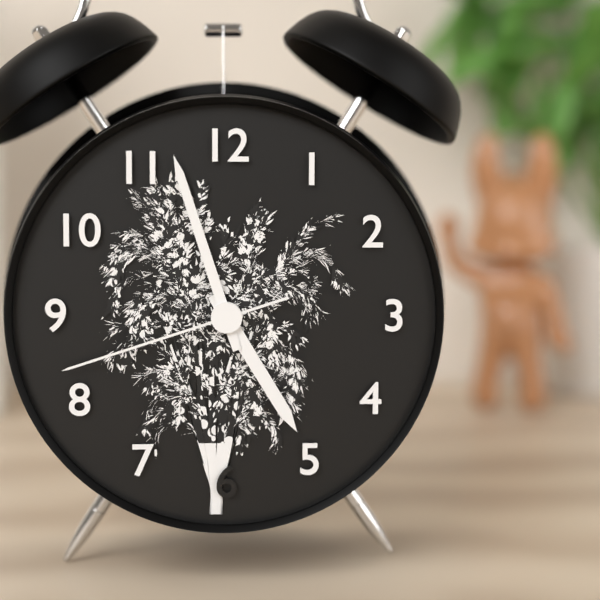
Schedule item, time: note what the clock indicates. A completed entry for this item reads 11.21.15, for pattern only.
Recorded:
4.57.42
